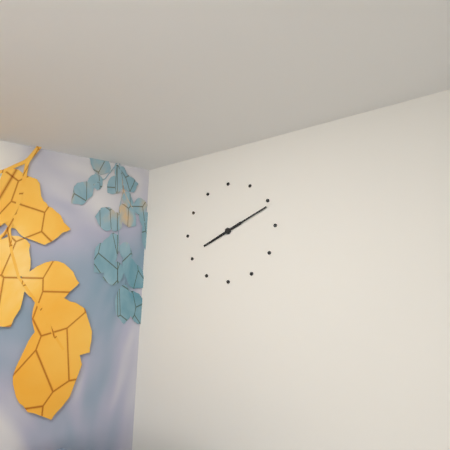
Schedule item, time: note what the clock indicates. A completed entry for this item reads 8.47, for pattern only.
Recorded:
8.11
